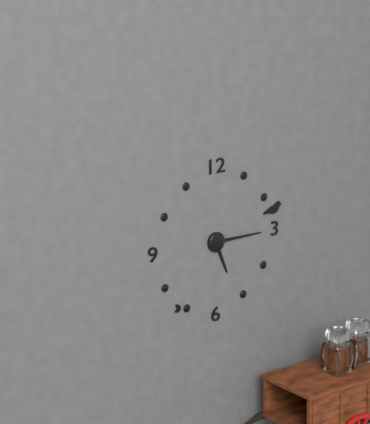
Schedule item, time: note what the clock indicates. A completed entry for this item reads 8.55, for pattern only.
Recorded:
5.15
